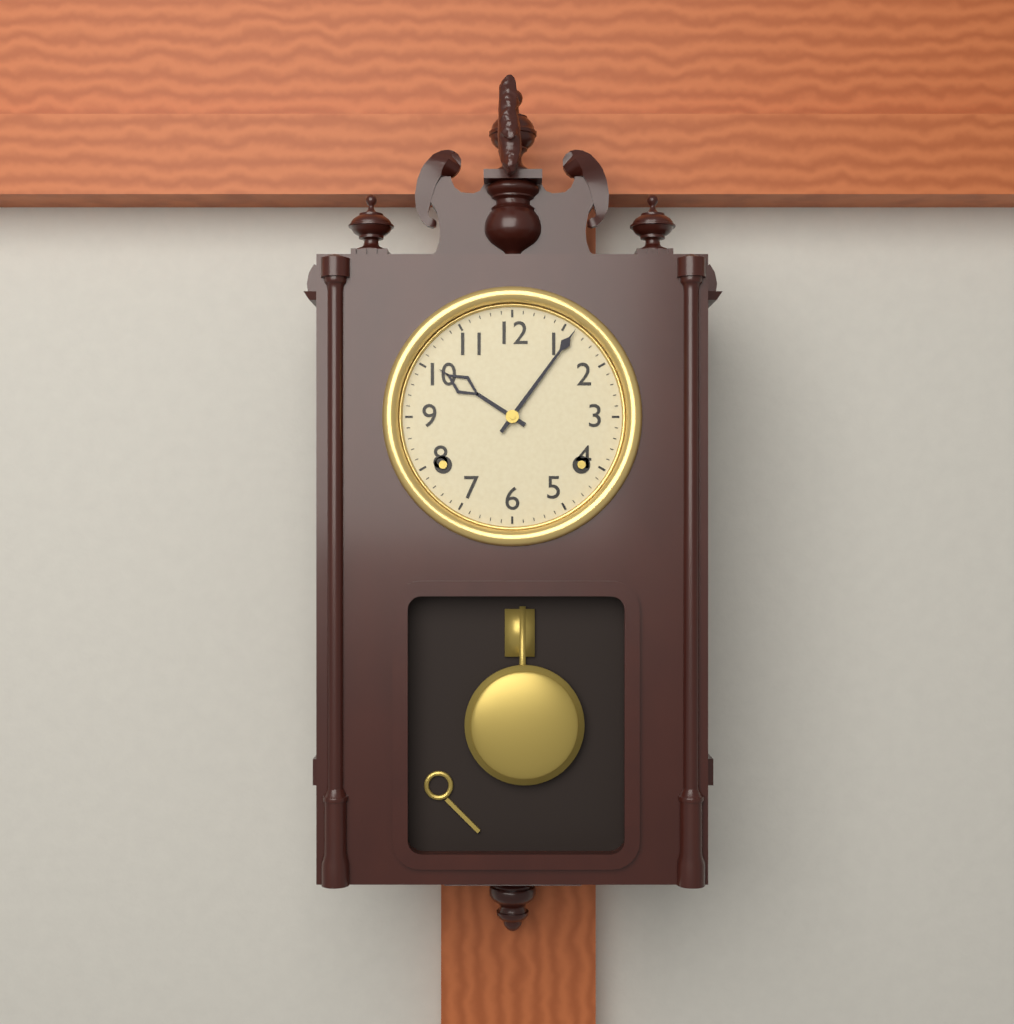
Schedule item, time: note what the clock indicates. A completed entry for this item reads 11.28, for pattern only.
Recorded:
10.06
